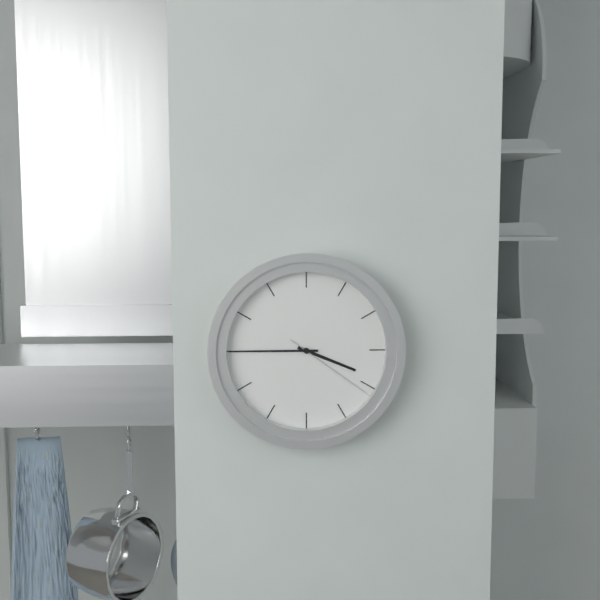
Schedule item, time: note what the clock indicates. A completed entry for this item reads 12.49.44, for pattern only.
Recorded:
3.45.21
